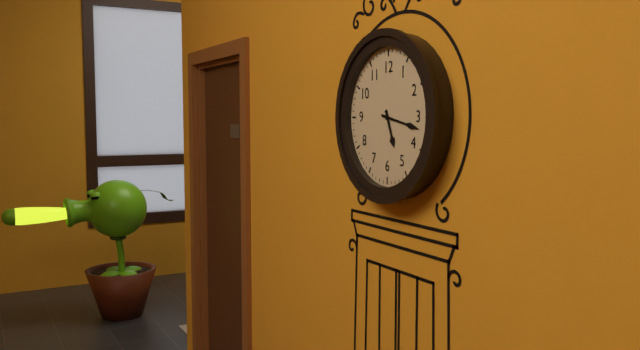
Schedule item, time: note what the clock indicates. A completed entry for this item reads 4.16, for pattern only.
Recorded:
5.17
